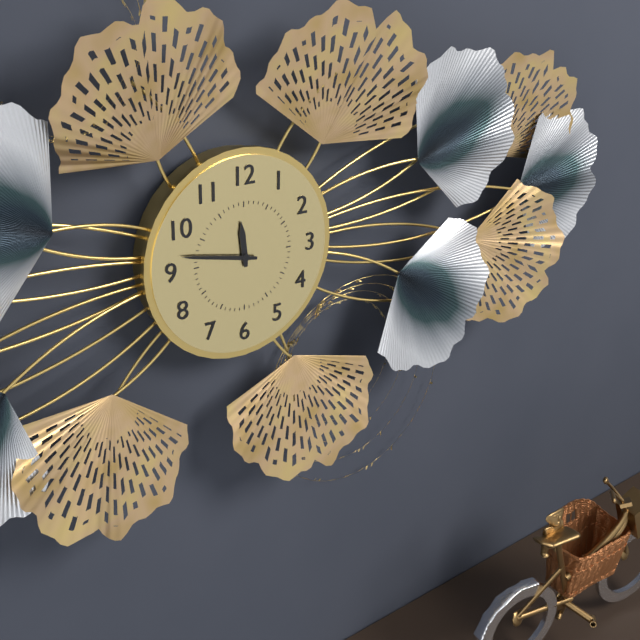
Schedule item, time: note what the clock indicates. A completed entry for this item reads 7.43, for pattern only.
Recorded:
11.47
